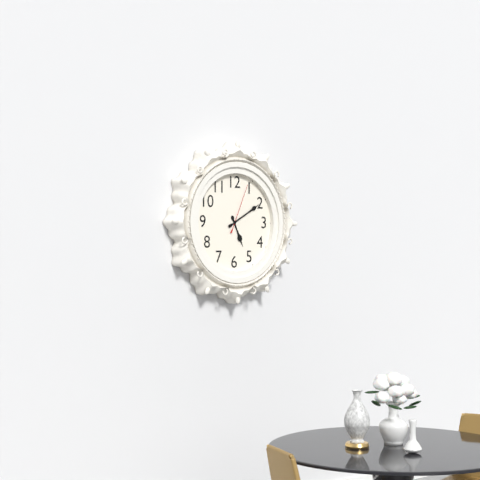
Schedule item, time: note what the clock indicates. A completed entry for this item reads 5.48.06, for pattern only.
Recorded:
5.10.04
